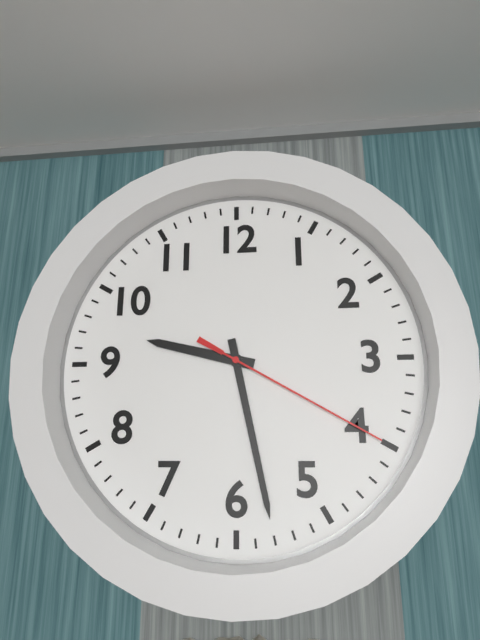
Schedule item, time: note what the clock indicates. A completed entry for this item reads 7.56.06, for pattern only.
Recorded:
9.28.20
